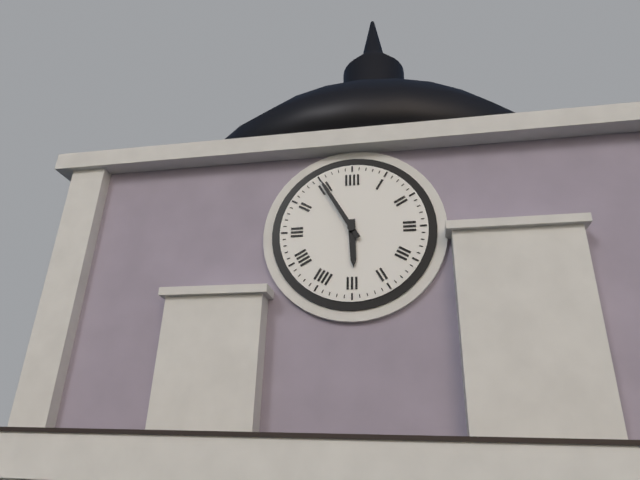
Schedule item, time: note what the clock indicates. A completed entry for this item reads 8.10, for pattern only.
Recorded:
5.55
